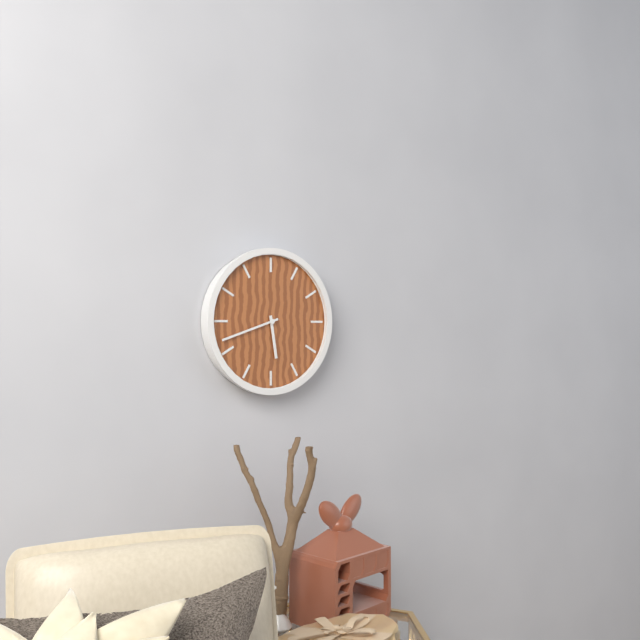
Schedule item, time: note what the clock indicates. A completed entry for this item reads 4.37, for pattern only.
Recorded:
5.42
